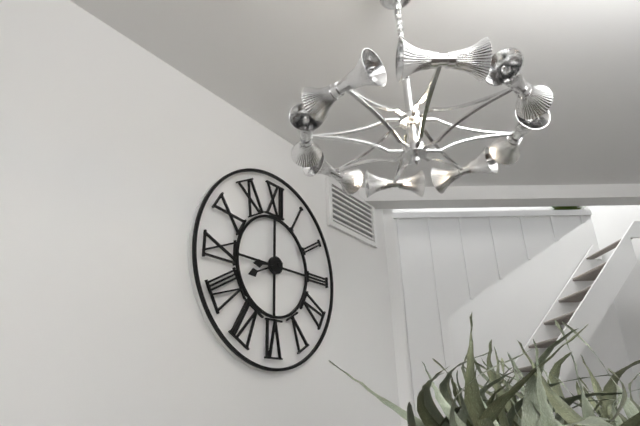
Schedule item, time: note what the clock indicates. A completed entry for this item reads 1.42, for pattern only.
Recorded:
8.41
